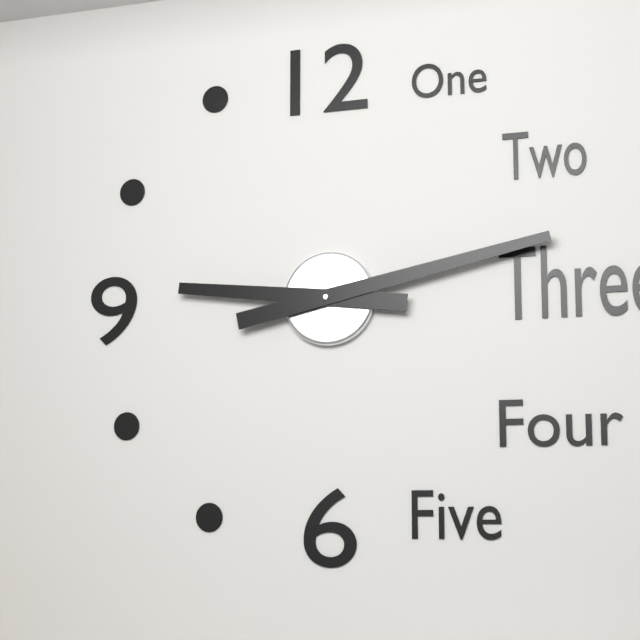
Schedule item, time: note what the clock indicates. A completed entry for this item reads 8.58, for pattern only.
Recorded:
9.13
